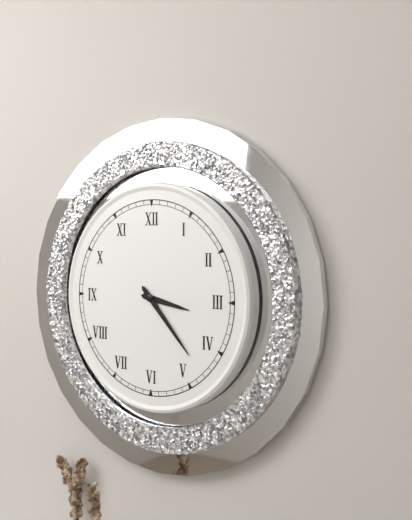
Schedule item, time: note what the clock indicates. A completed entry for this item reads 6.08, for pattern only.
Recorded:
3.23
